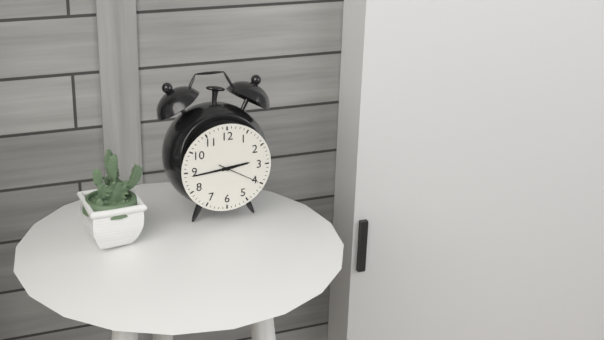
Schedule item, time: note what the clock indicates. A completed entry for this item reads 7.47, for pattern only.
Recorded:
2.44
